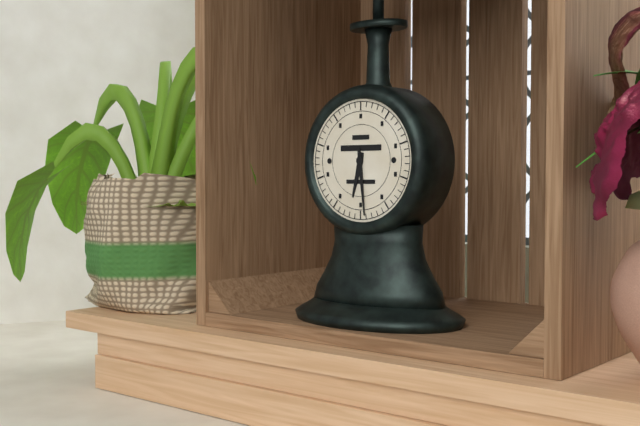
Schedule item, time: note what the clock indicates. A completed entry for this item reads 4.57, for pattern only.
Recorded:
6.29
